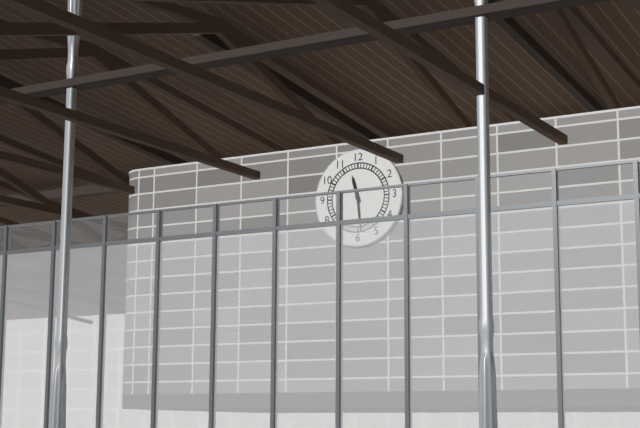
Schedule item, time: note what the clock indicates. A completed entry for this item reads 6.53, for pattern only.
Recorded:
11.29
